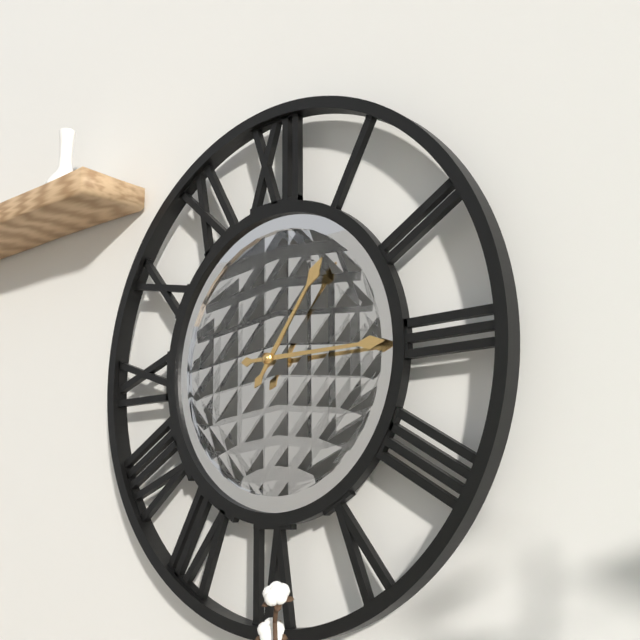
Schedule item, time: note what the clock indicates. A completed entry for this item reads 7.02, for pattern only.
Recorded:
1.15
